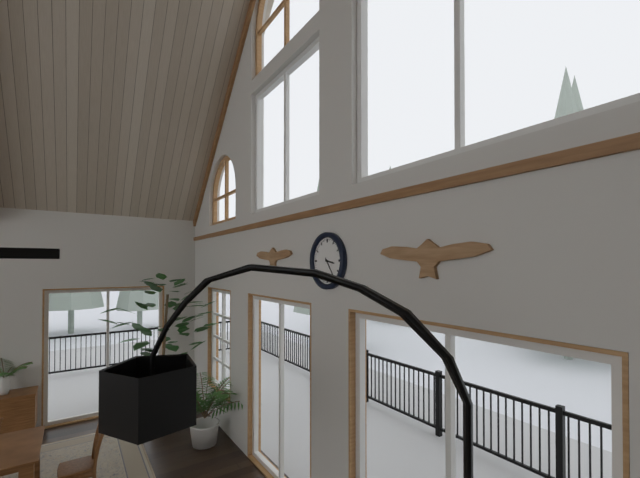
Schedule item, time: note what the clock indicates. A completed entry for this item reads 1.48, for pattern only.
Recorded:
3.24
